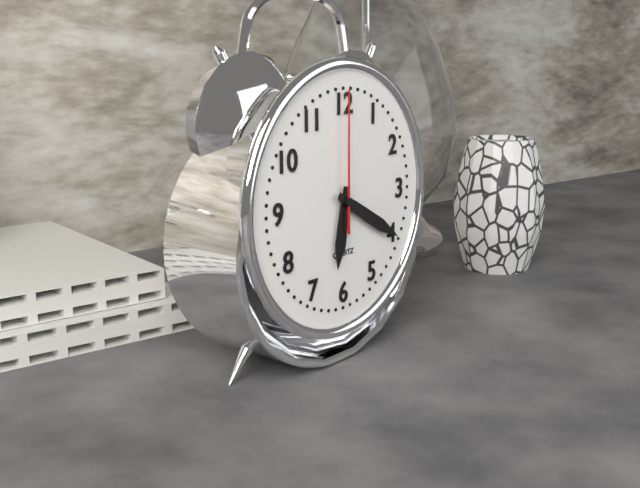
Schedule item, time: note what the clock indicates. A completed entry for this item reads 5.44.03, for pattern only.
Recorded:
6.20.00
